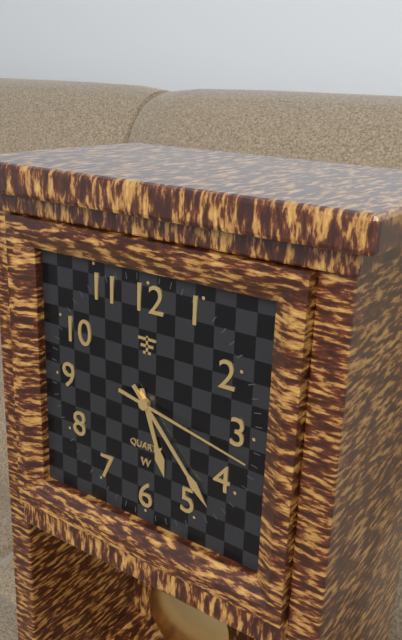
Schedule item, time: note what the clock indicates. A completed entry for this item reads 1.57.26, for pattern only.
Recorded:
5.23.17
